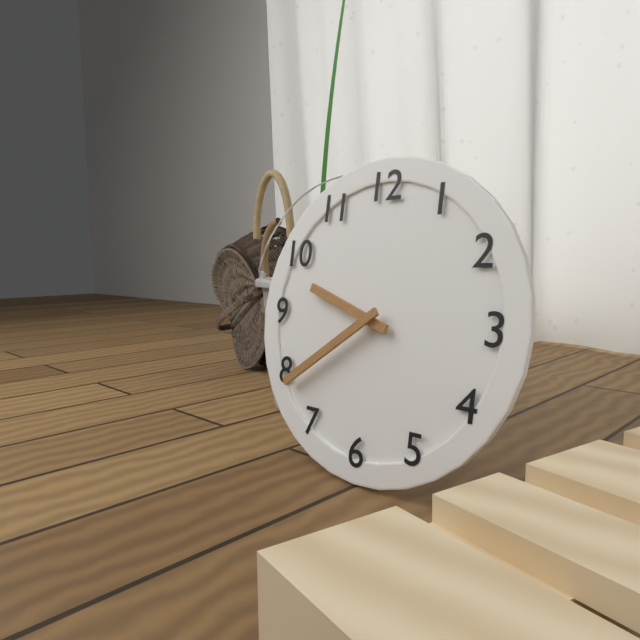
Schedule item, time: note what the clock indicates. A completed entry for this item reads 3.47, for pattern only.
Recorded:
9.39
